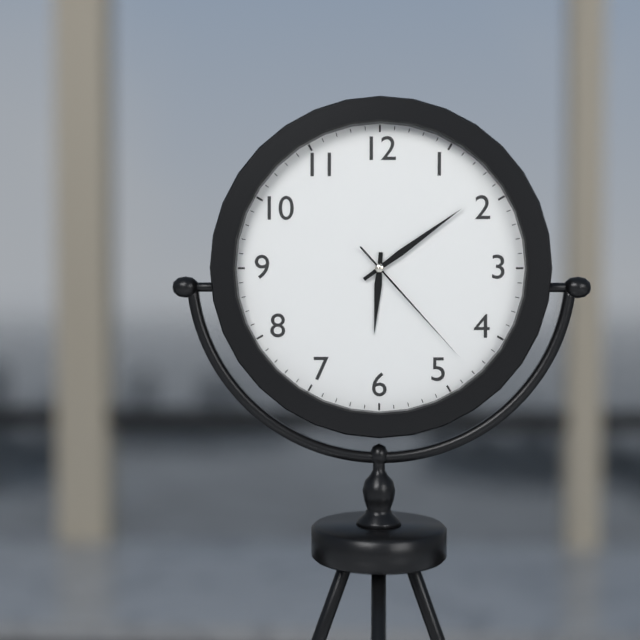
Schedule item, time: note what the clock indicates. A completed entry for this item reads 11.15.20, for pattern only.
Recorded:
6.09.23
